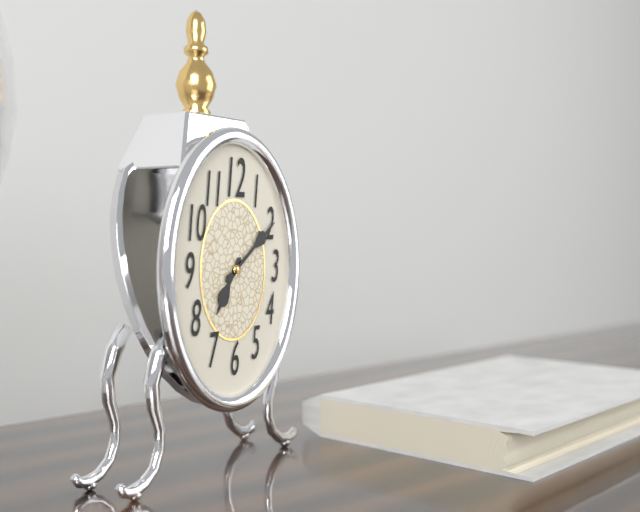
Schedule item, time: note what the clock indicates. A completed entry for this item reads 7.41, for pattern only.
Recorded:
7.09
